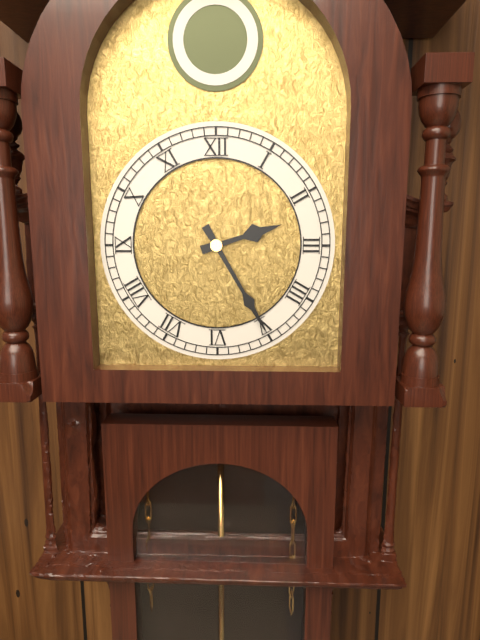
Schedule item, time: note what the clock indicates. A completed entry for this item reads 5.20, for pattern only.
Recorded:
2.25
